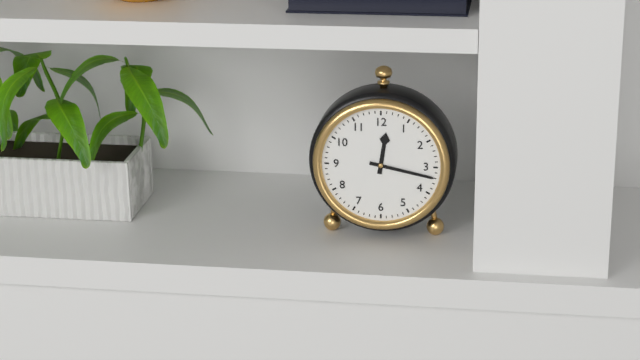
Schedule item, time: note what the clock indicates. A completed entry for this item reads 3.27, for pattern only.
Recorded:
12.17
